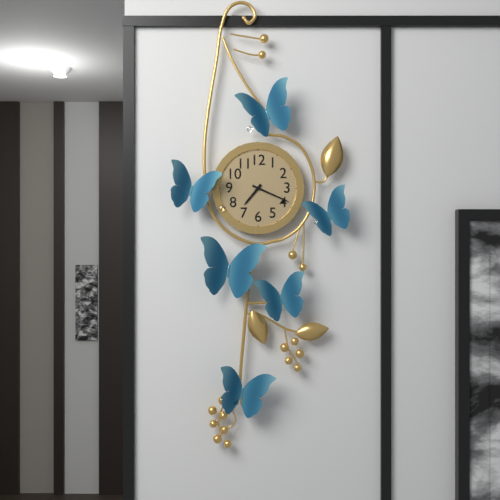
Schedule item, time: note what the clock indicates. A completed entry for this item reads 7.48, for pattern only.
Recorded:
7.19
